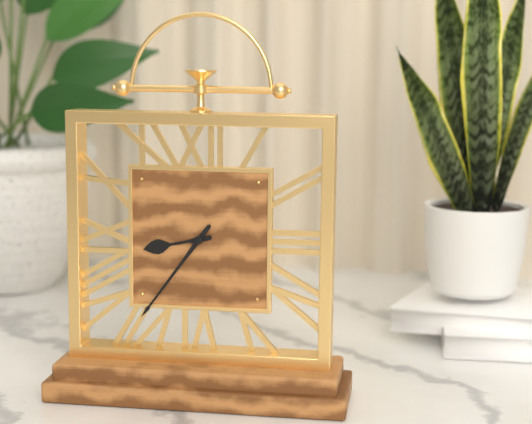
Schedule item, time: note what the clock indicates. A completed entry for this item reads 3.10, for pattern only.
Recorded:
8.36
